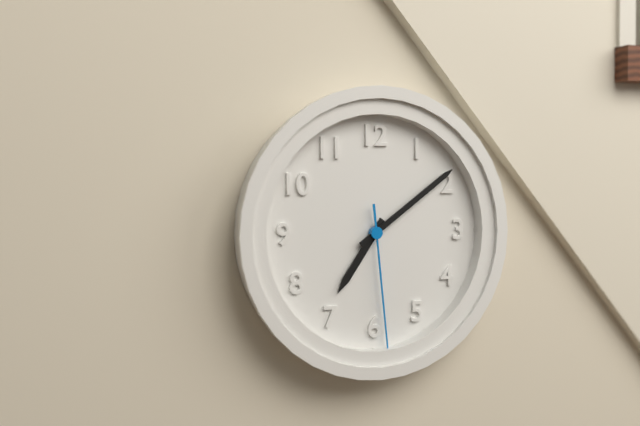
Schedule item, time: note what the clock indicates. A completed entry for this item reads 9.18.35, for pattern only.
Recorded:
7.09.29
